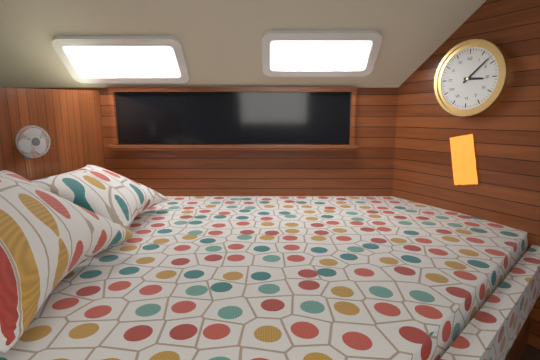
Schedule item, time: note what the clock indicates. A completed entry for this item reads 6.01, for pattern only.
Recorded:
3.08
